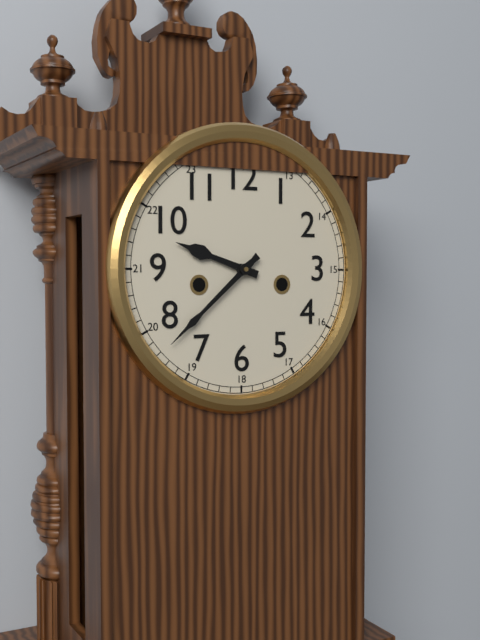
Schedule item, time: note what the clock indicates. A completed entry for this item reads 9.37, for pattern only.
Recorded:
9.38
